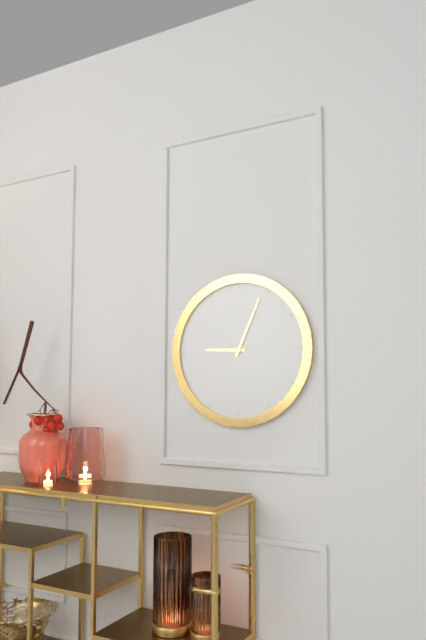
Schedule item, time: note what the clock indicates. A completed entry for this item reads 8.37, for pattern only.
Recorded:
9.04
